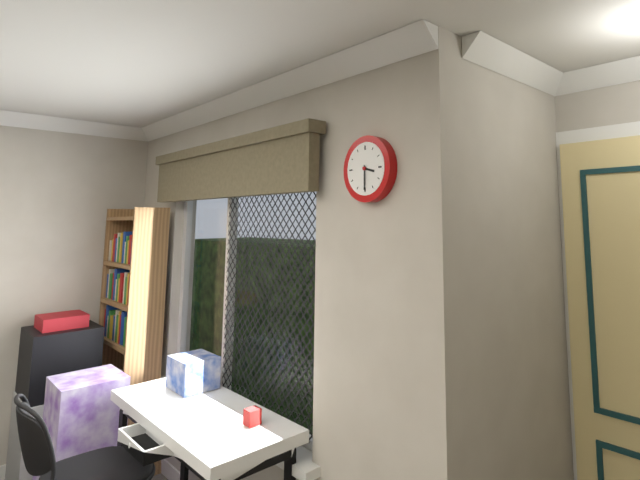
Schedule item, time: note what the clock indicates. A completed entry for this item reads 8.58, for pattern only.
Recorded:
3.30
